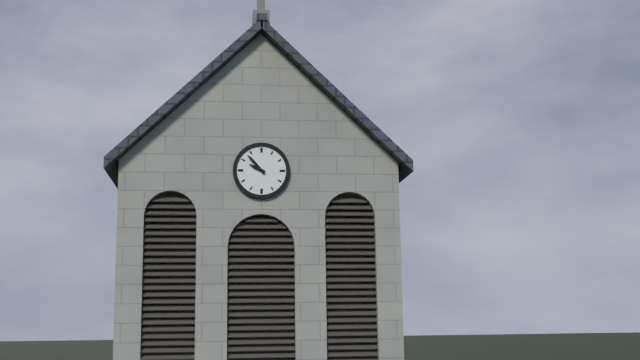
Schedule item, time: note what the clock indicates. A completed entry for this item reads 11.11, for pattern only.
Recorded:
9.53
